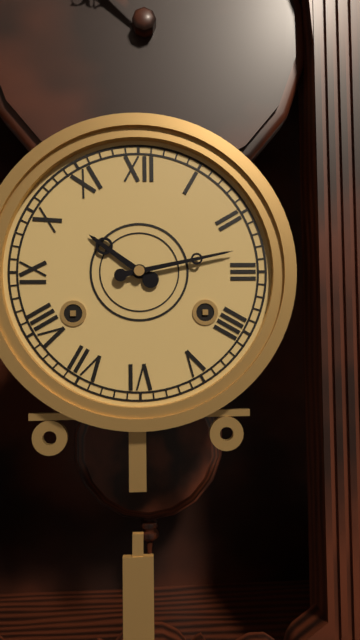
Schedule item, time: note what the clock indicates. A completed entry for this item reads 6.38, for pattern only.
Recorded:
10.13
